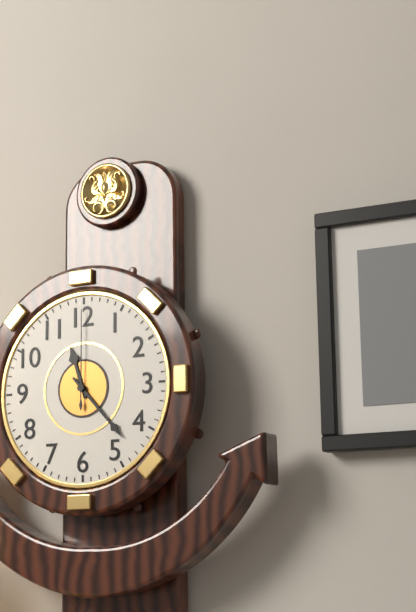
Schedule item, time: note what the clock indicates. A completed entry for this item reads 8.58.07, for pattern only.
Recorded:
11.23.00
